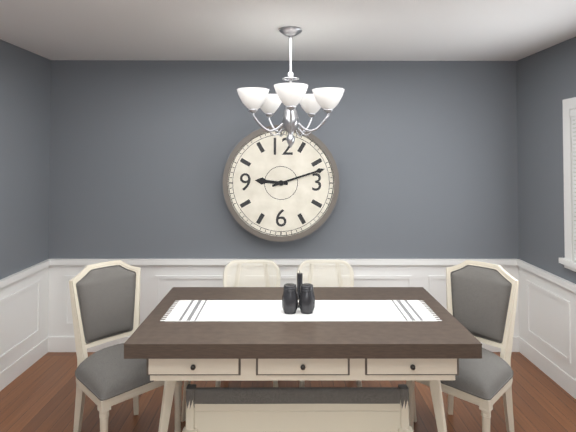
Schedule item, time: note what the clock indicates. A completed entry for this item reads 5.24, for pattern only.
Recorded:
9.12
